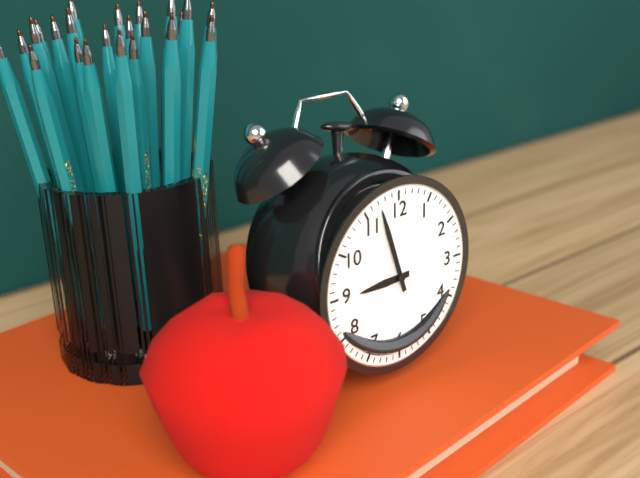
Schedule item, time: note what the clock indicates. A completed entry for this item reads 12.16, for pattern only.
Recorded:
8.57
